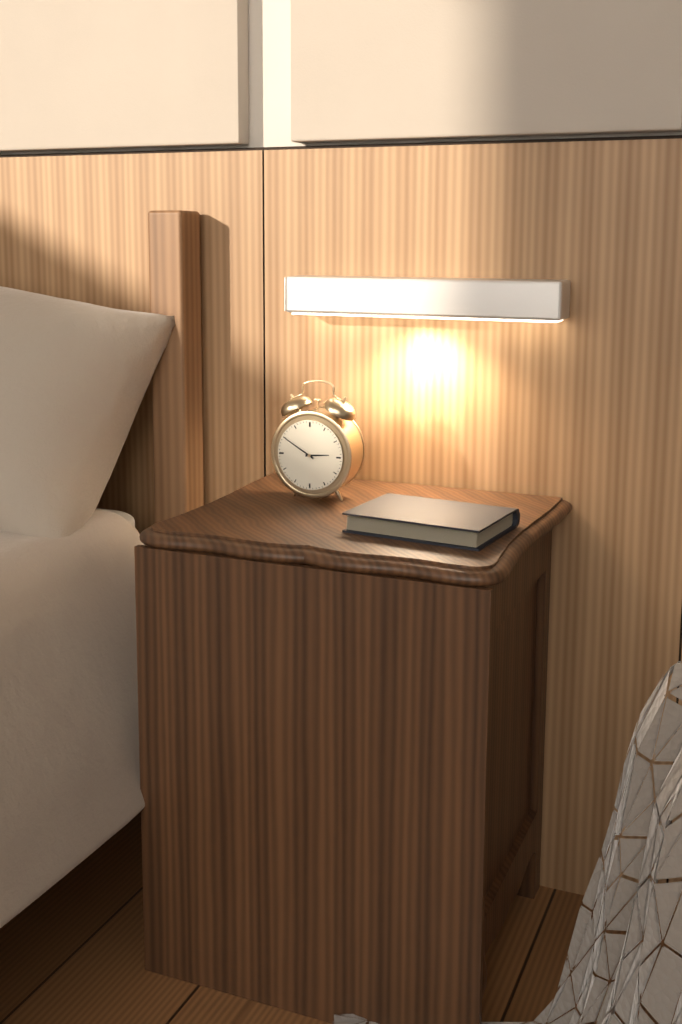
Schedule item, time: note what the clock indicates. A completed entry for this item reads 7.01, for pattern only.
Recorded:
2.50
